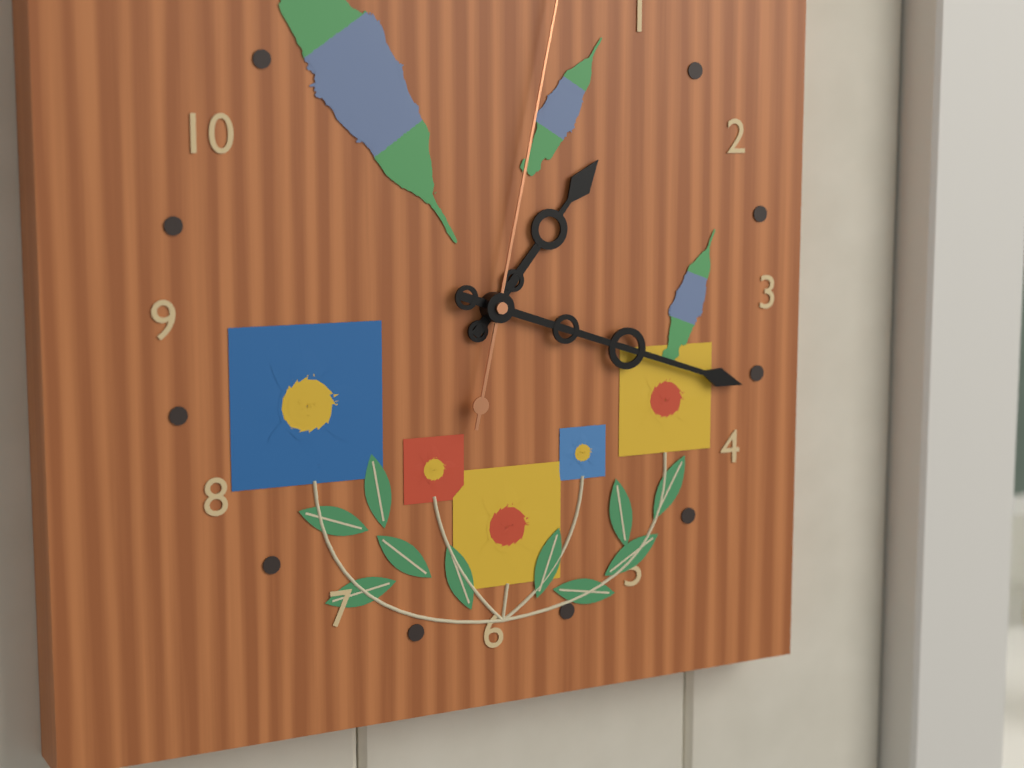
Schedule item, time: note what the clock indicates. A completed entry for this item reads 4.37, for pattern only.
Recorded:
1.18
